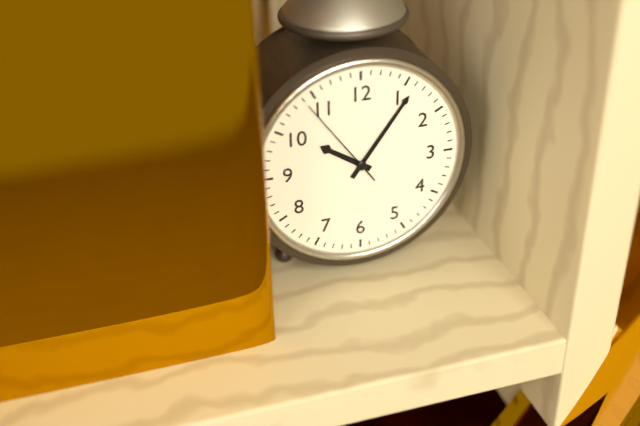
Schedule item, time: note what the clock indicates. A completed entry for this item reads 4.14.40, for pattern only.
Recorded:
10.06.54
